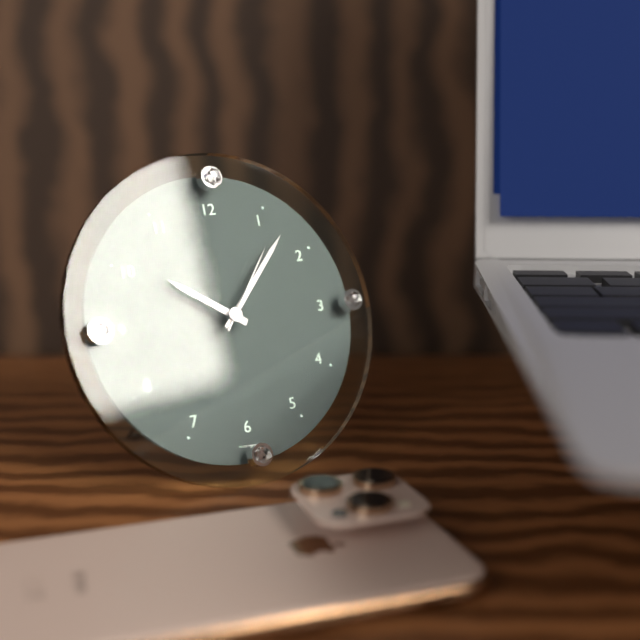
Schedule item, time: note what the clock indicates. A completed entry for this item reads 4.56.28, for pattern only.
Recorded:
10.07.06
